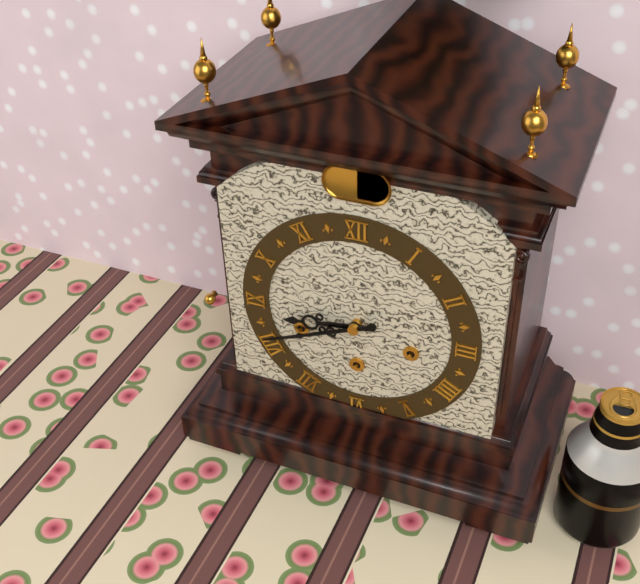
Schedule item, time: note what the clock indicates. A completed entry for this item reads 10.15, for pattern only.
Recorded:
8.41
